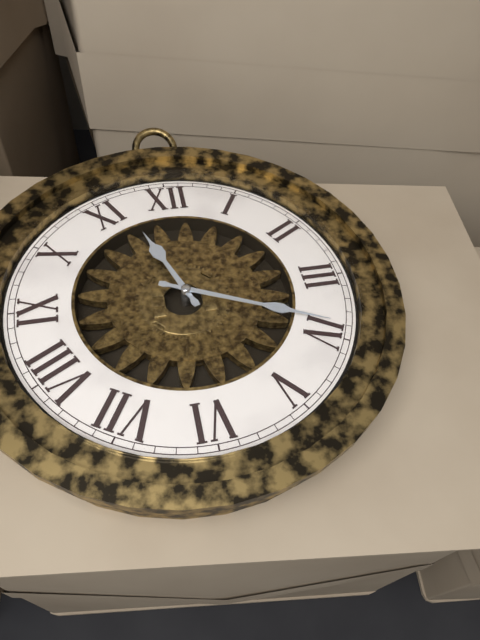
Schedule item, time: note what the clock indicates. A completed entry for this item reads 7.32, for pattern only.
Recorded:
11.19
